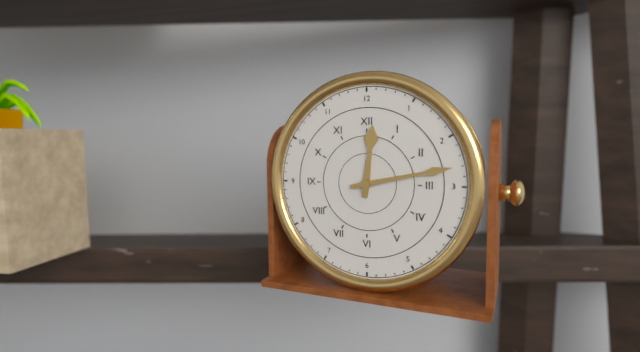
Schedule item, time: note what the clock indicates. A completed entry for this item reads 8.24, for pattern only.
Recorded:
12.13
